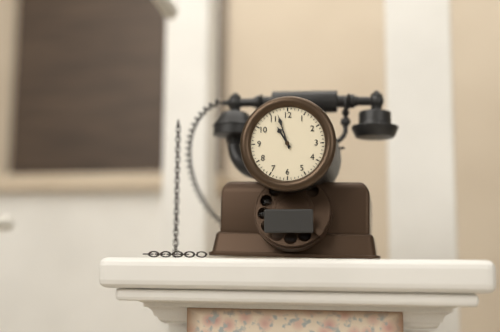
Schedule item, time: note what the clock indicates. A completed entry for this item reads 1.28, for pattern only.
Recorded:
10.57
